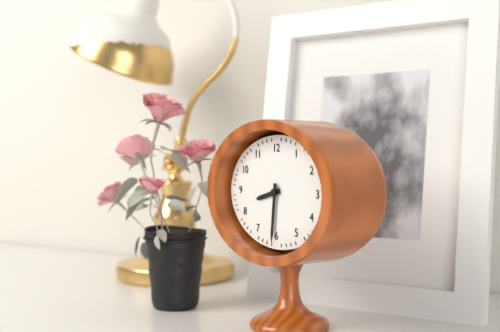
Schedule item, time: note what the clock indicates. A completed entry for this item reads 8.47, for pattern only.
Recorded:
8.31
